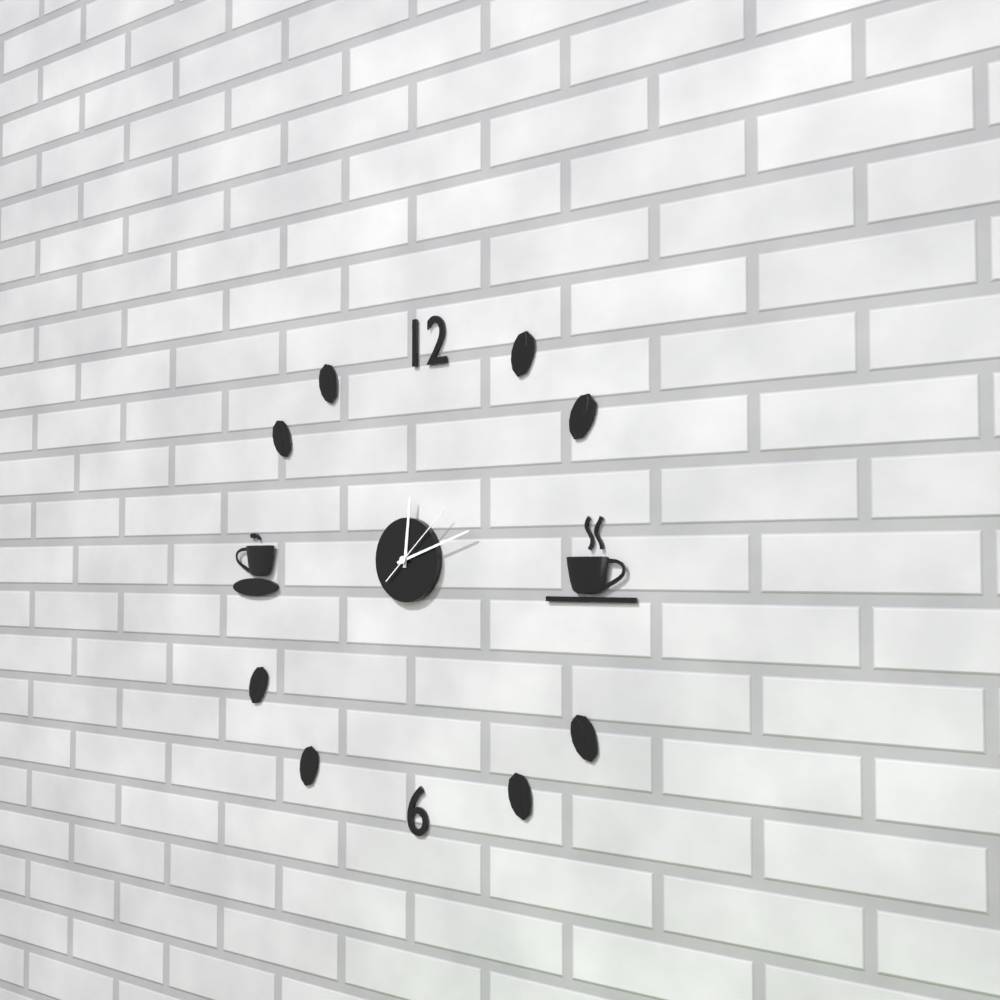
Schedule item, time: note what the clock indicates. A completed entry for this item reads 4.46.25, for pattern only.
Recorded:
12.12.08
